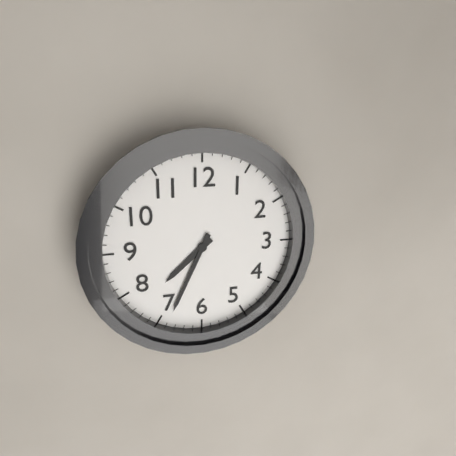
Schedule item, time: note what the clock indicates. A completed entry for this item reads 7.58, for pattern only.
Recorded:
7.34
